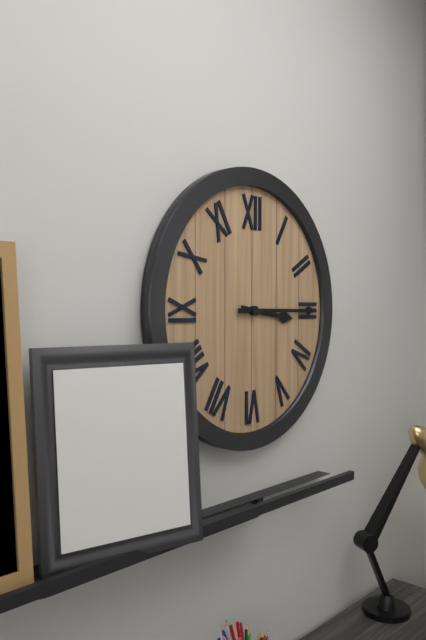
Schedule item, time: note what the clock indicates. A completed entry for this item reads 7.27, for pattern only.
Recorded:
3.15
